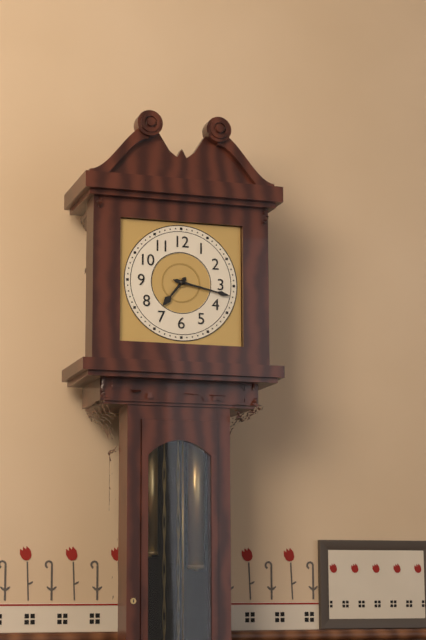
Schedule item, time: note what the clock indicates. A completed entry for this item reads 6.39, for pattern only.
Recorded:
7.17
